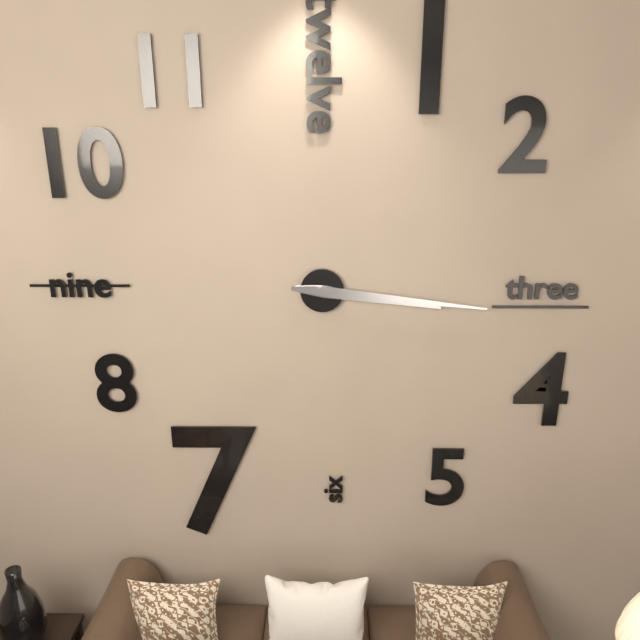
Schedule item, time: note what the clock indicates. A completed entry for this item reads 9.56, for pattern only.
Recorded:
3.16
